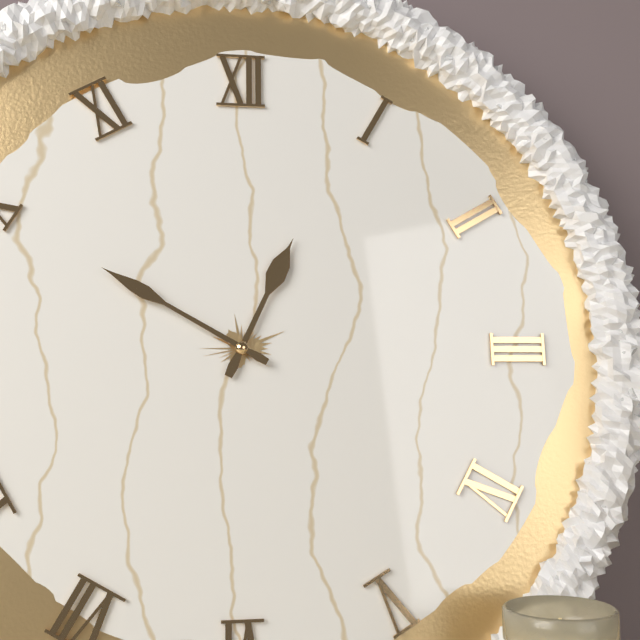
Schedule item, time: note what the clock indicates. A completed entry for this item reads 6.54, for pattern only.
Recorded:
12.50
